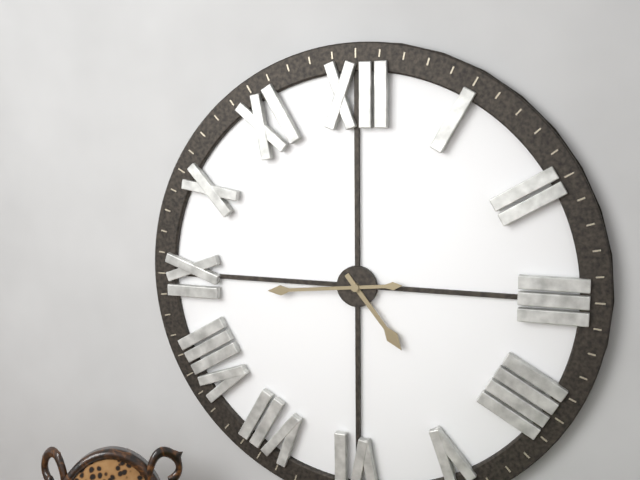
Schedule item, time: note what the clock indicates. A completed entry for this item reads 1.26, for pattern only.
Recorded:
4.44
